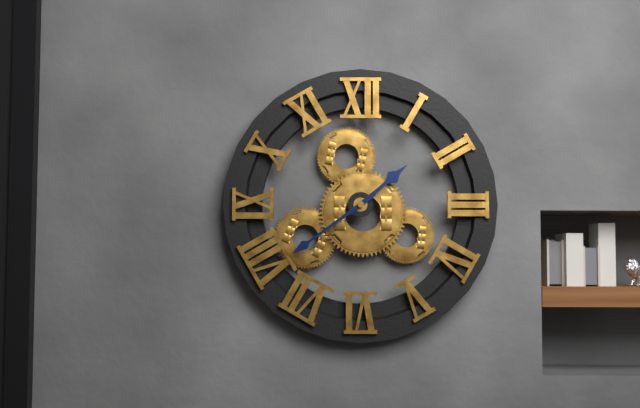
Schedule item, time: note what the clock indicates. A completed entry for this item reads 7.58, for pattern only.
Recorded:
1.39
